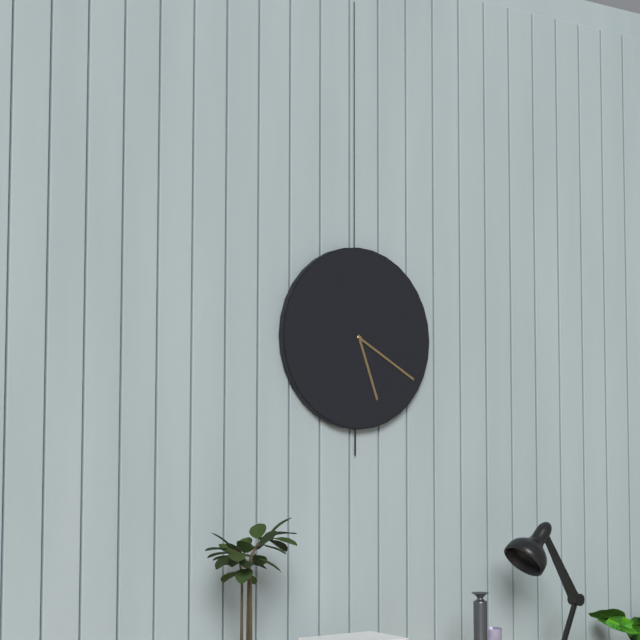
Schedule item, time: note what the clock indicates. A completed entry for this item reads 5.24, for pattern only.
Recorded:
5.20
